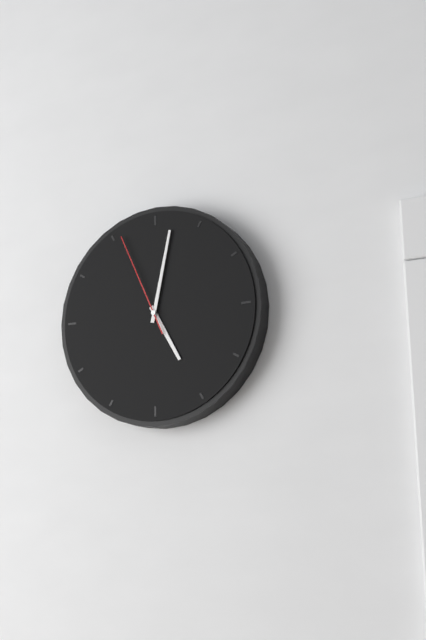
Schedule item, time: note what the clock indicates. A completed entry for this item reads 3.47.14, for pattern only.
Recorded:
5.02.56
